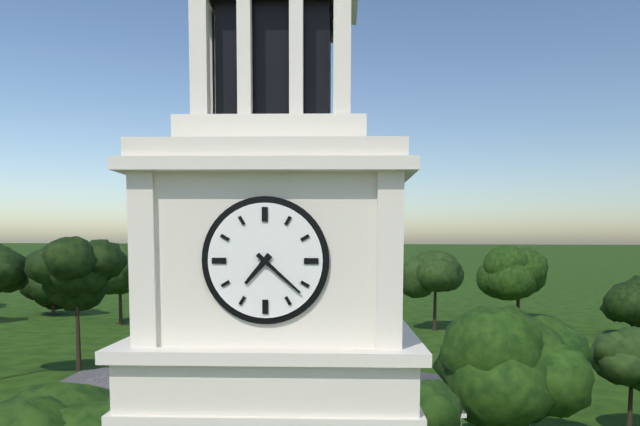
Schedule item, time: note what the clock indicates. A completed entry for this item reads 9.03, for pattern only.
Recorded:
7.22
